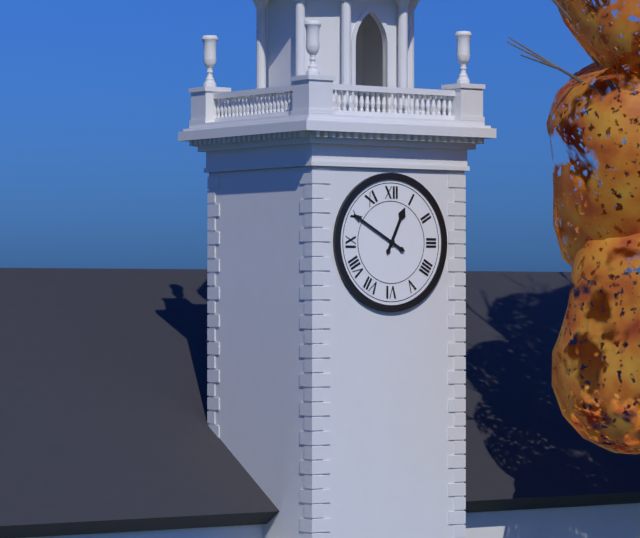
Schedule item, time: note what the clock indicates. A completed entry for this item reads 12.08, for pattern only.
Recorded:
12.50
